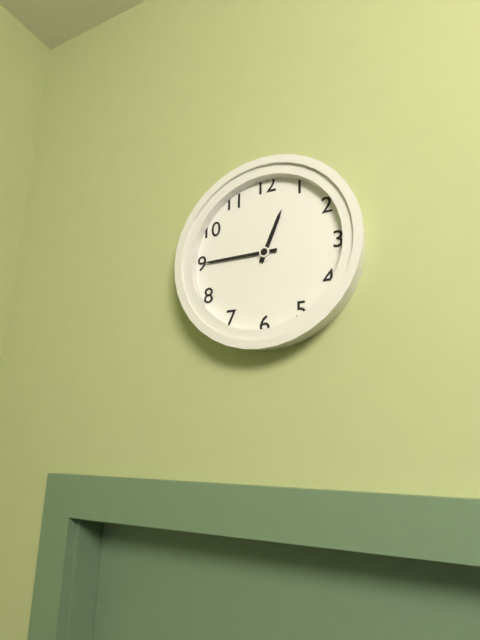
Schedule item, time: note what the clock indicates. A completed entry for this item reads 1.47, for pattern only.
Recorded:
12.45
